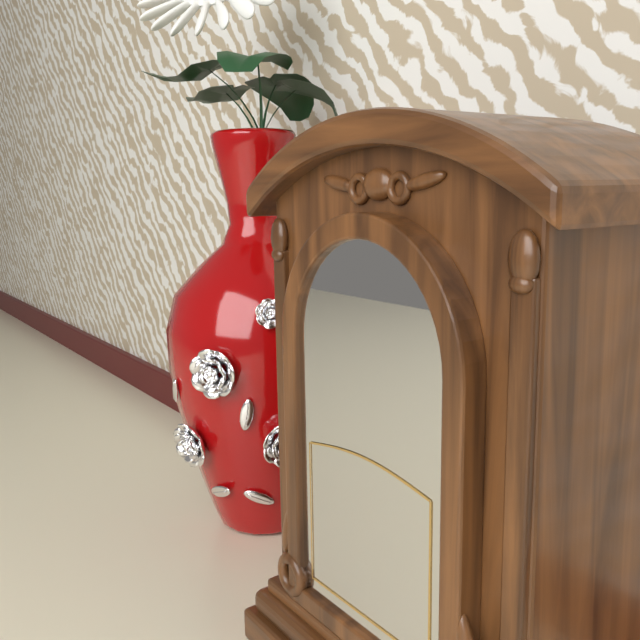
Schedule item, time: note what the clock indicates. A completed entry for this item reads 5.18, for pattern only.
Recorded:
3.25
